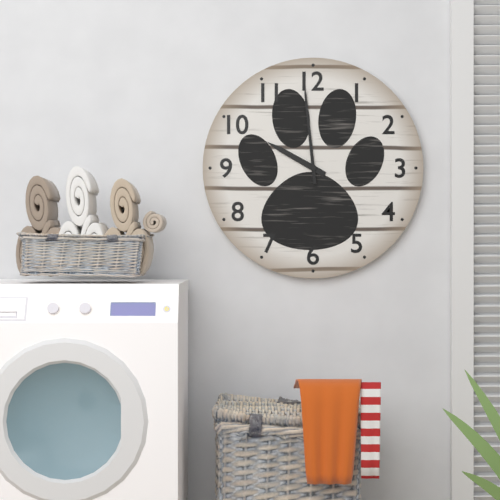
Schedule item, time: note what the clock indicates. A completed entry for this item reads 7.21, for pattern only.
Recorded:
9.59
